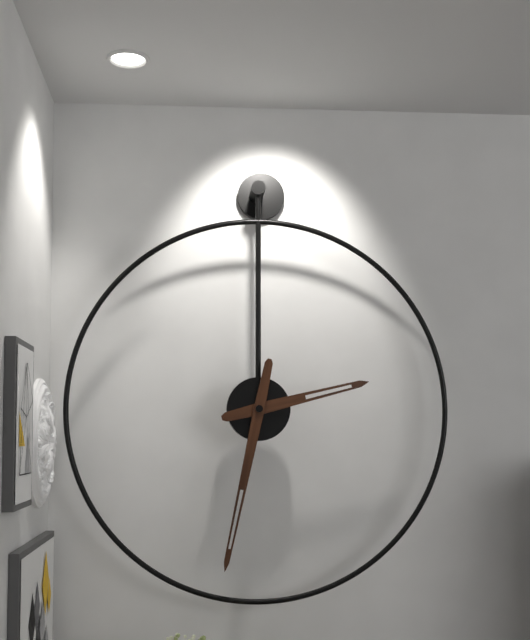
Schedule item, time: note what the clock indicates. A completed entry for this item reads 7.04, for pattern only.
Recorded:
2.32
